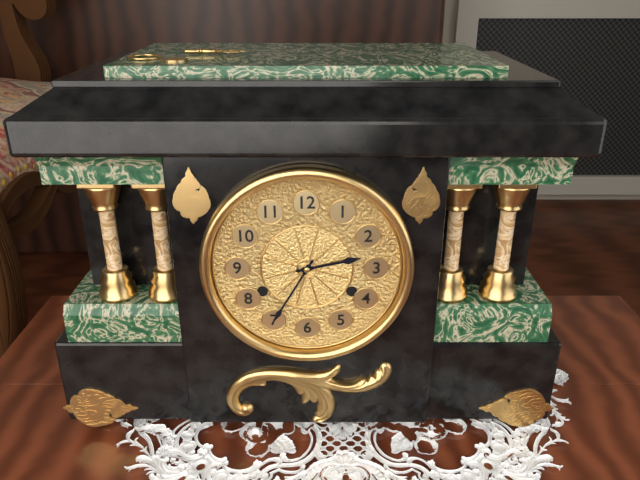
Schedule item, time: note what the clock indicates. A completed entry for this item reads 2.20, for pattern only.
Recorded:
2.35
